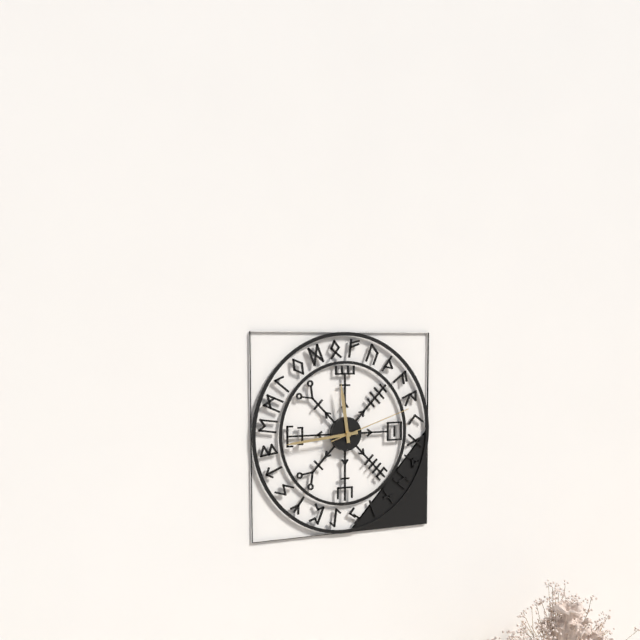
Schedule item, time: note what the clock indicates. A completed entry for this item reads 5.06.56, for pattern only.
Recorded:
11.44.12
